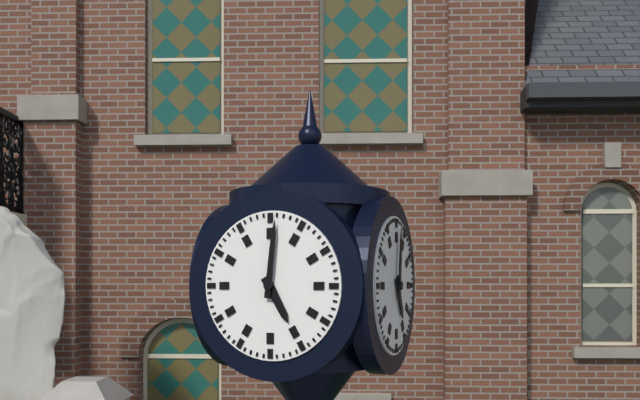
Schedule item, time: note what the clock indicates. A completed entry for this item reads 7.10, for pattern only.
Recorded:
5.01
